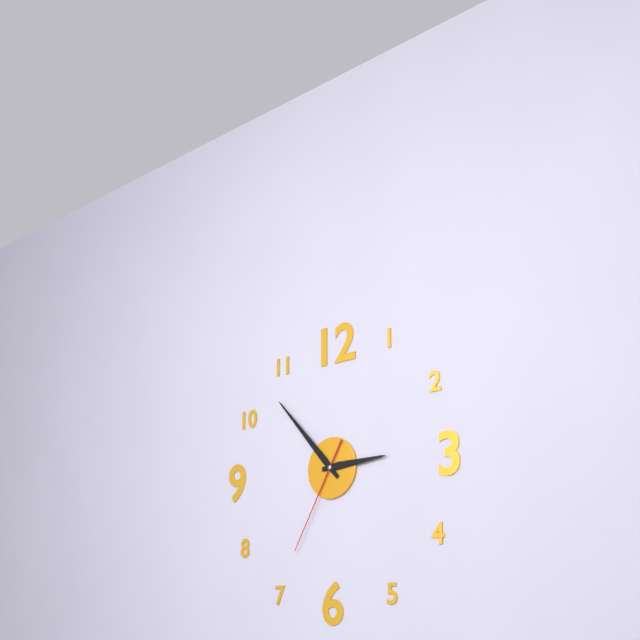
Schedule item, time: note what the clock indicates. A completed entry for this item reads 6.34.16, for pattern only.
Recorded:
2.53.35
